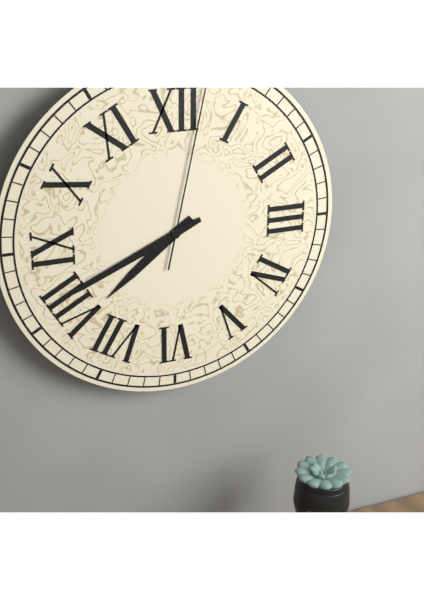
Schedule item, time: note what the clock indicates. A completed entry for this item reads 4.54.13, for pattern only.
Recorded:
7.41.02
